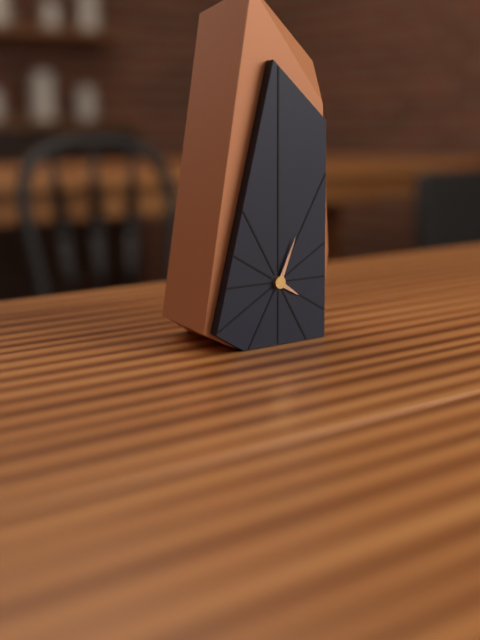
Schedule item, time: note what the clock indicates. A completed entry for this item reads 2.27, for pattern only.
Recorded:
4.04
